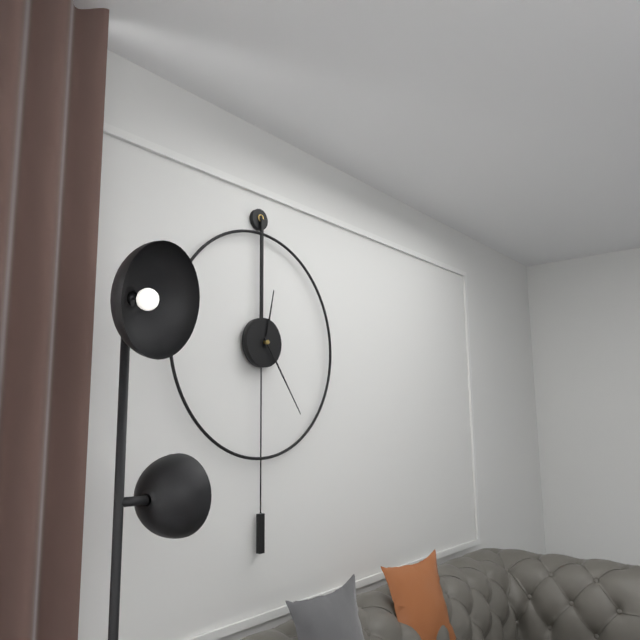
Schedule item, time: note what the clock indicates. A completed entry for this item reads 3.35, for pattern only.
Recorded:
12.24
